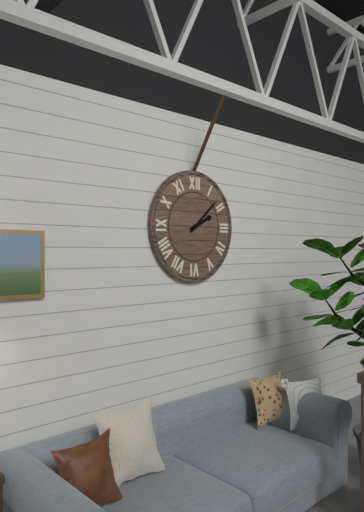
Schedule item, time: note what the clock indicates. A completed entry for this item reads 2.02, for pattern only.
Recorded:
2.08
